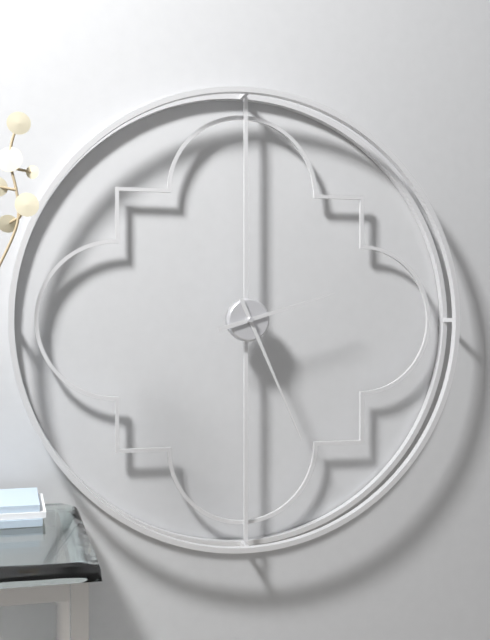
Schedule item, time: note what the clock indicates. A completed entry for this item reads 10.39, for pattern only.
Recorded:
2.26
